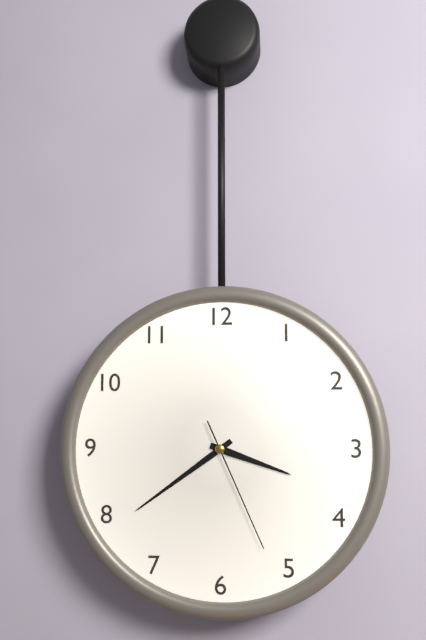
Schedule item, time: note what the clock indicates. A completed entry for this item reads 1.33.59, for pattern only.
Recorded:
3.39.26
